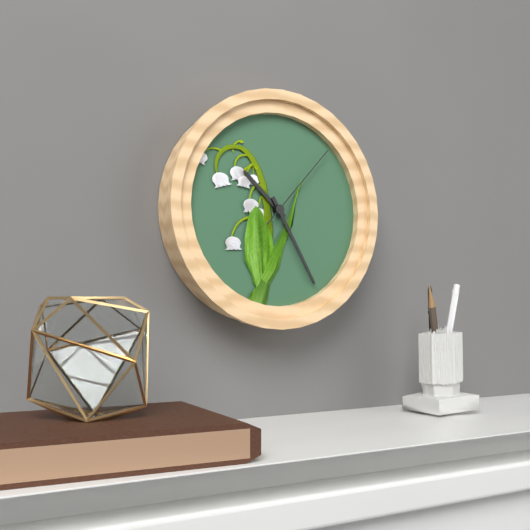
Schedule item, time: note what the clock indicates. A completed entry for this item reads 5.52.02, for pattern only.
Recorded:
10.25.07
